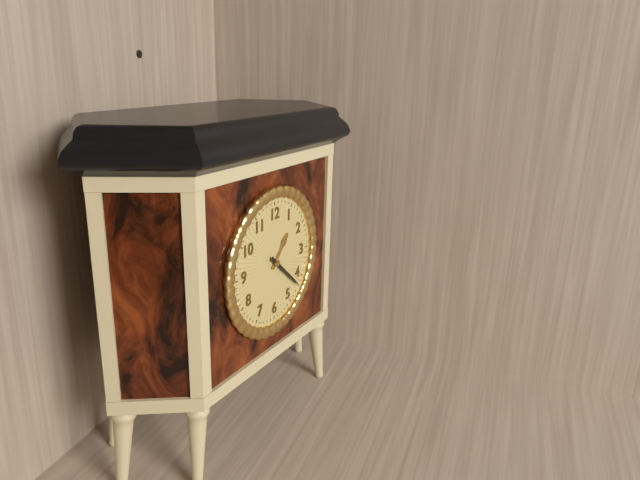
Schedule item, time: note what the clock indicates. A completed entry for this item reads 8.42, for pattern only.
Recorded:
1.22
